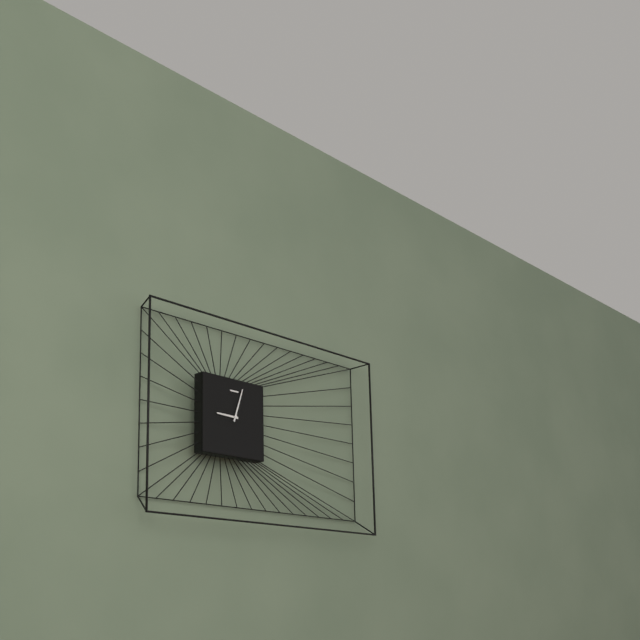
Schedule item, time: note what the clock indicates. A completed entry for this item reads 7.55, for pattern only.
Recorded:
9.03
